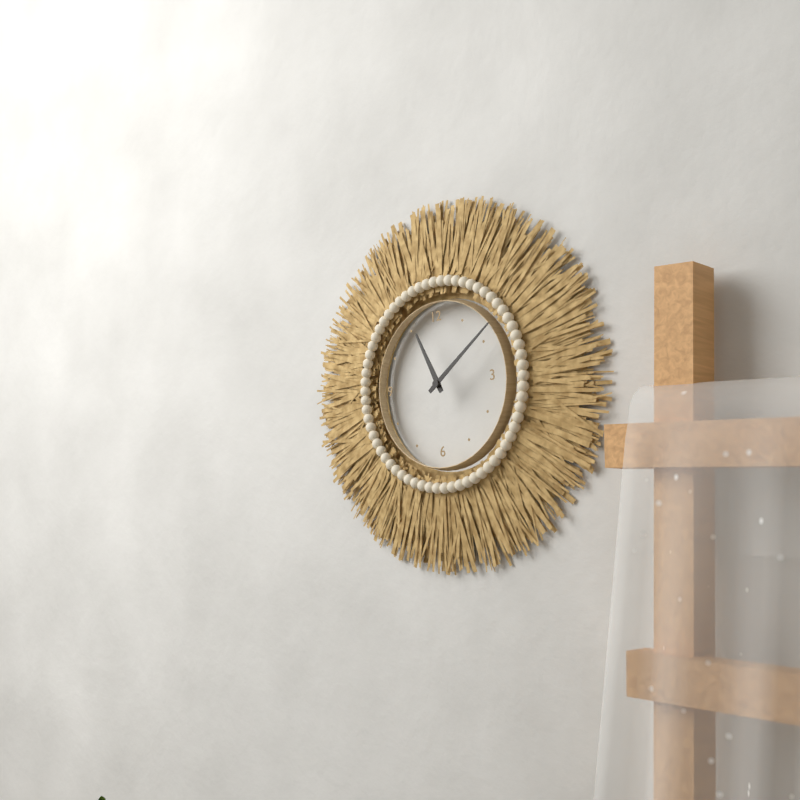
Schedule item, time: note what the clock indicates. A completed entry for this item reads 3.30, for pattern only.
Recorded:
11.09
